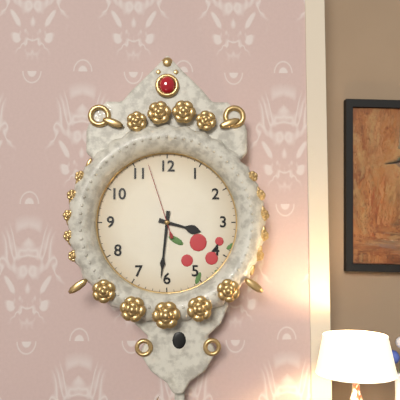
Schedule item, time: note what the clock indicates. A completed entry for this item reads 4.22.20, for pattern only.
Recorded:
3.31.57
